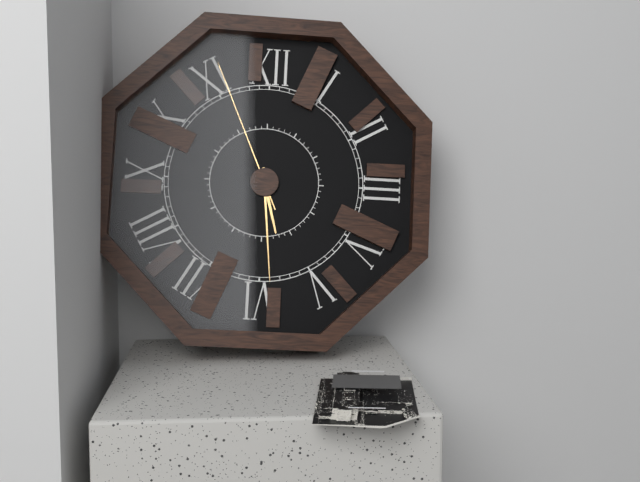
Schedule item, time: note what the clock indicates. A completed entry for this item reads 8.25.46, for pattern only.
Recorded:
5.29.56
